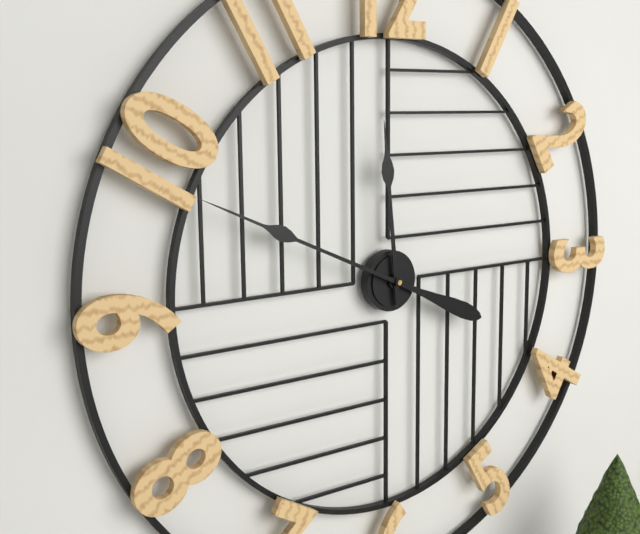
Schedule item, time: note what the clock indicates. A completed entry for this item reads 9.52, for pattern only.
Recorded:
11.49
